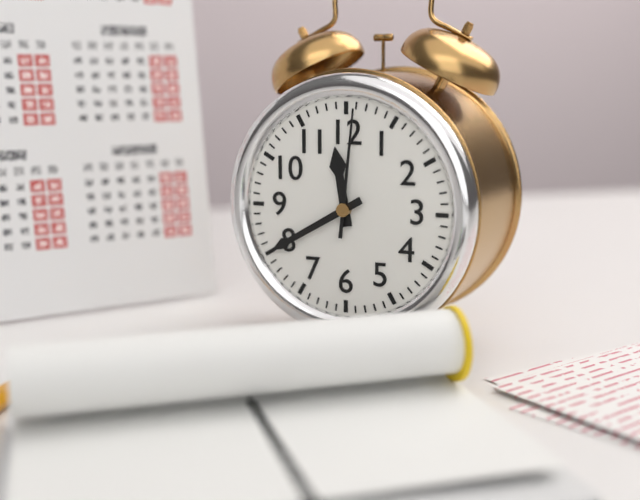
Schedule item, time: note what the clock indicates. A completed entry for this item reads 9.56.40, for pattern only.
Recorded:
11.40.01
